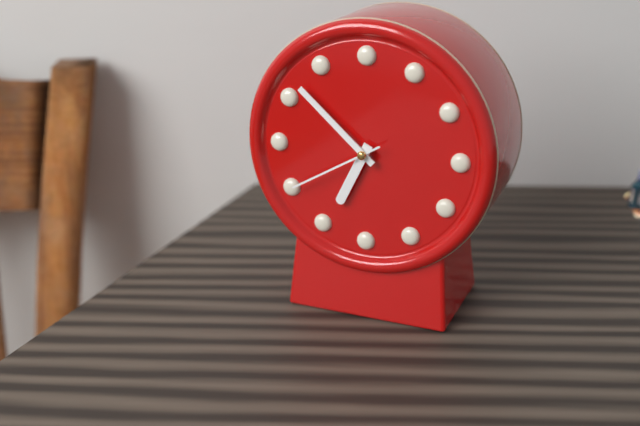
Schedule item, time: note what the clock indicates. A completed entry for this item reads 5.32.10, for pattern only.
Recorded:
6.52.40
